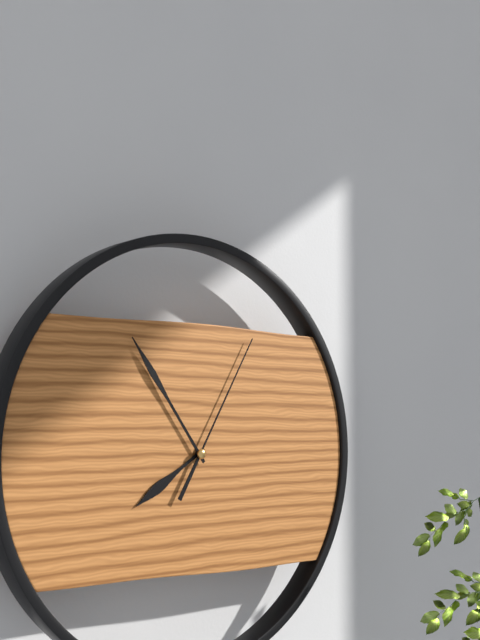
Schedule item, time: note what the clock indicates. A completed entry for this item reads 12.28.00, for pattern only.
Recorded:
7.54.05
